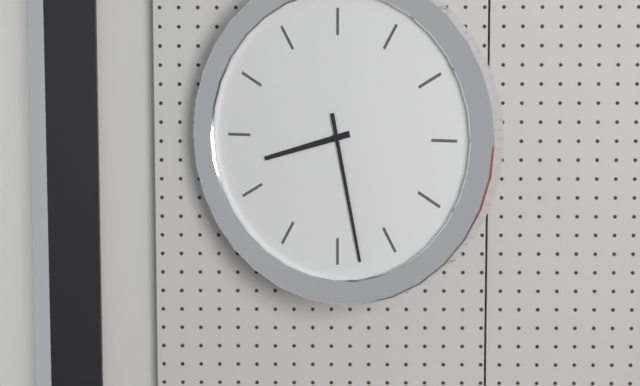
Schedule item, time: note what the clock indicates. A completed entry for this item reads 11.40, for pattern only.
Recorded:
8.28
